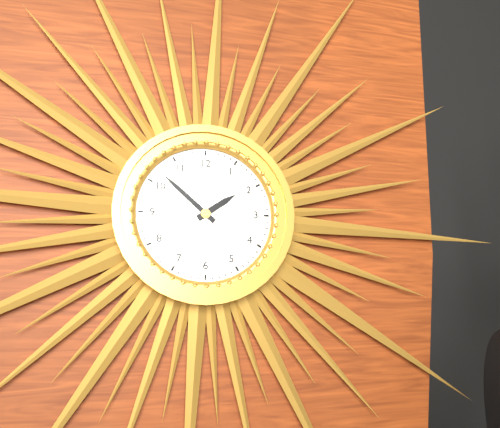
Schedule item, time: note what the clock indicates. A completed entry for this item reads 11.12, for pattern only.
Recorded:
1.52
